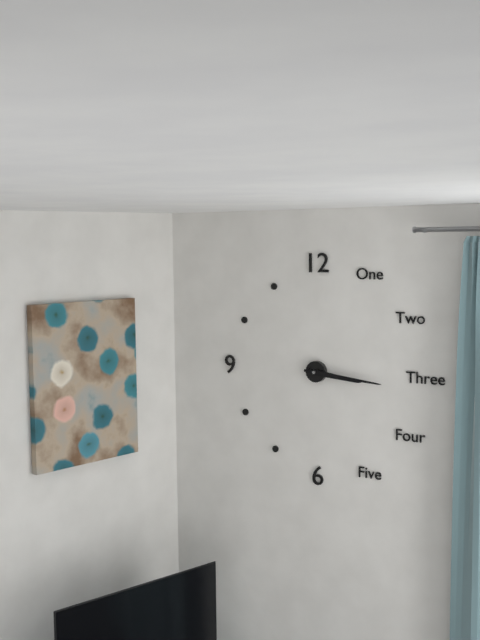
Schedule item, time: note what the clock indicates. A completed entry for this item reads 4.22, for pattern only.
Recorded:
3.16
